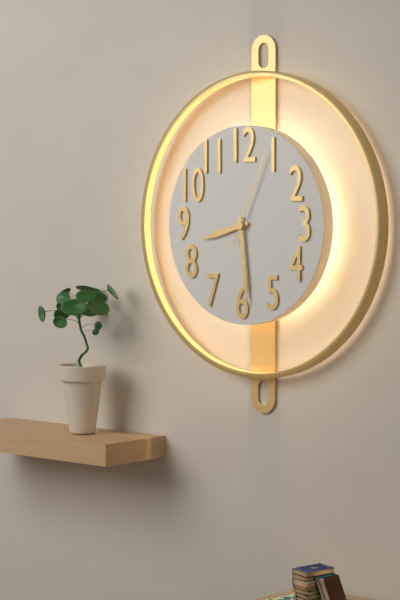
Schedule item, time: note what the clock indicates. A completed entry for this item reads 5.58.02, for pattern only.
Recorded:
8.29.04
